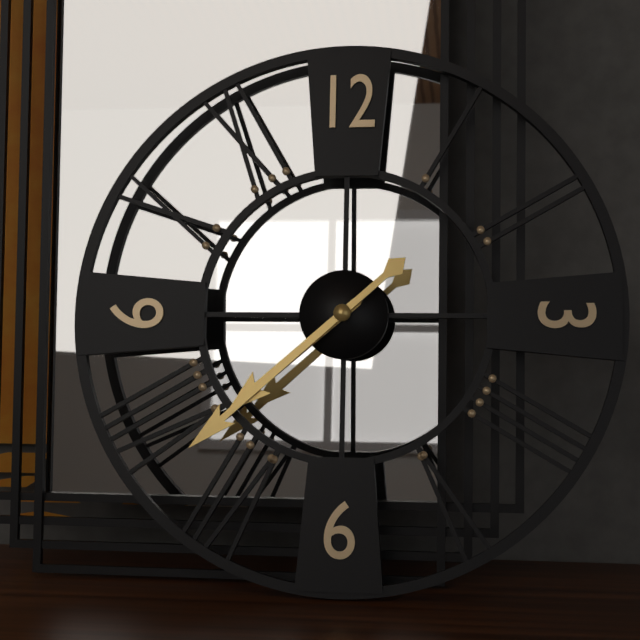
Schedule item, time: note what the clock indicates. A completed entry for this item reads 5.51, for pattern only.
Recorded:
7.38
